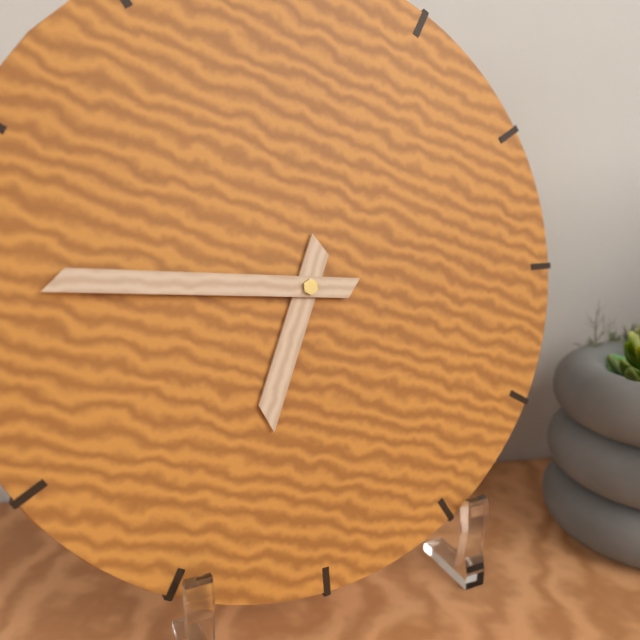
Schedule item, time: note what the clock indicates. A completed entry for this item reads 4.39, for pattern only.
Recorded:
6.46
